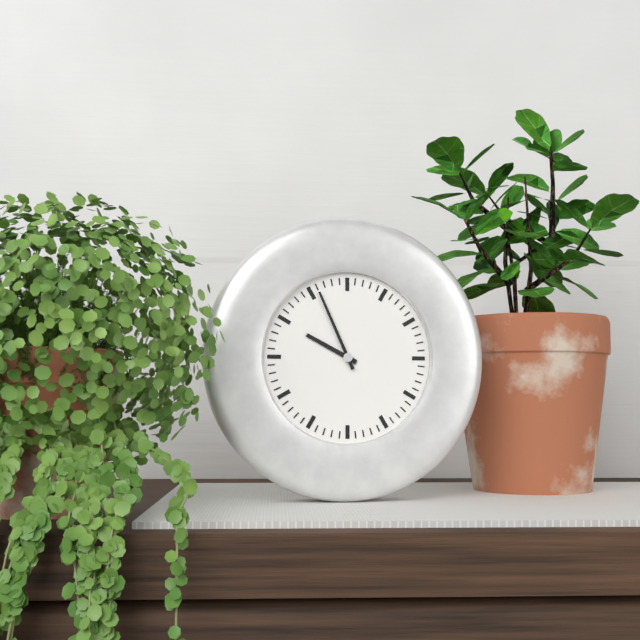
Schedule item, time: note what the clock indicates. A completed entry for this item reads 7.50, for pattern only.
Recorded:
9.56
